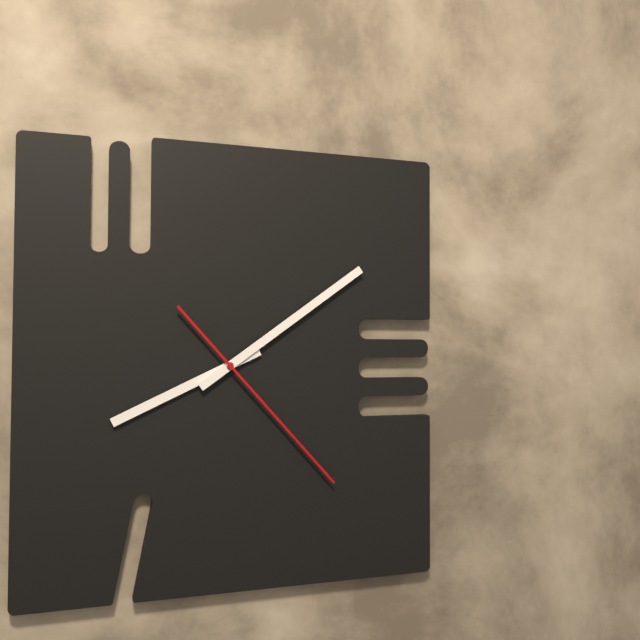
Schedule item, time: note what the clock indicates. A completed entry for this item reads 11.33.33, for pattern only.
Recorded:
8.09.23
